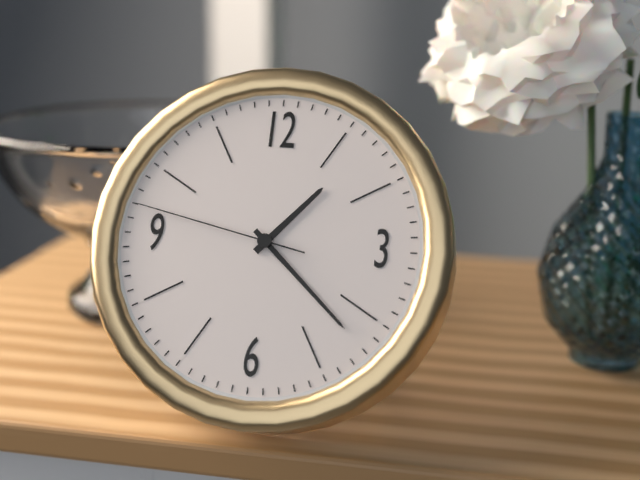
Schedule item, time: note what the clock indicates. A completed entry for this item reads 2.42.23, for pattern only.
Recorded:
1.22.47
